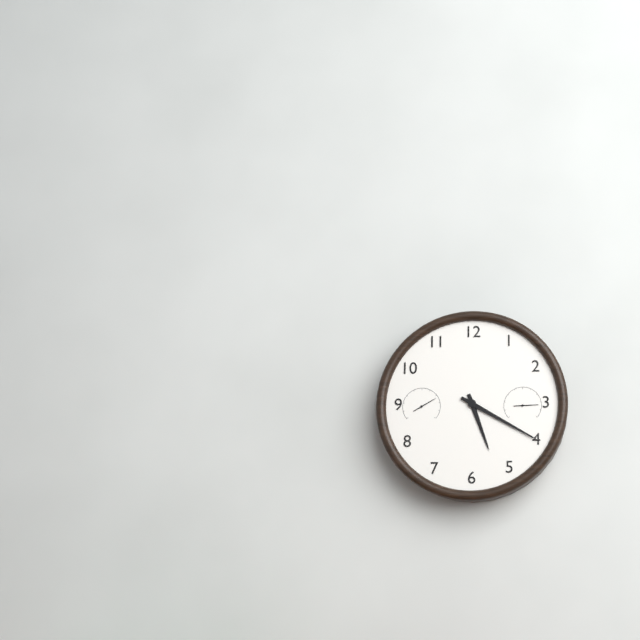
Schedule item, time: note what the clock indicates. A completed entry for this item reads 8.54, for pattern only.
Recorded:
5.20
